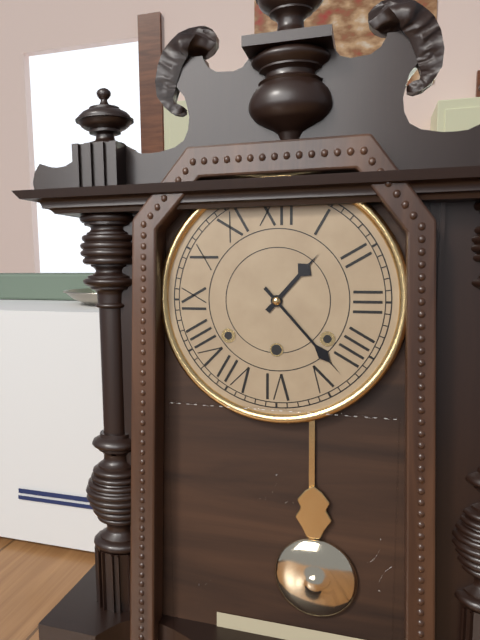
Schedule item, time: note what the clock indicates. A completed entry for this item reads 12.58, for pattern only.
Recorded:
1.23
